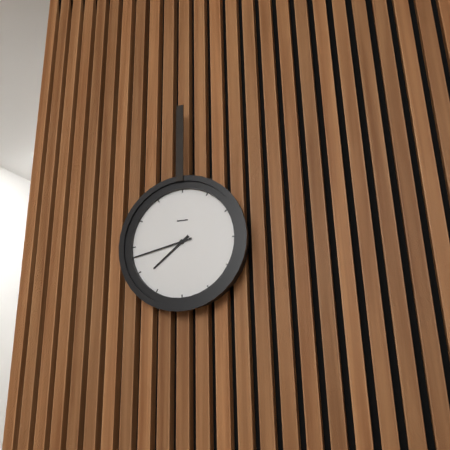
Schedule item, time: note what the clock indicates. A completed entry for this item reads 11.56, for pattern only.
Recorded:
7.43
